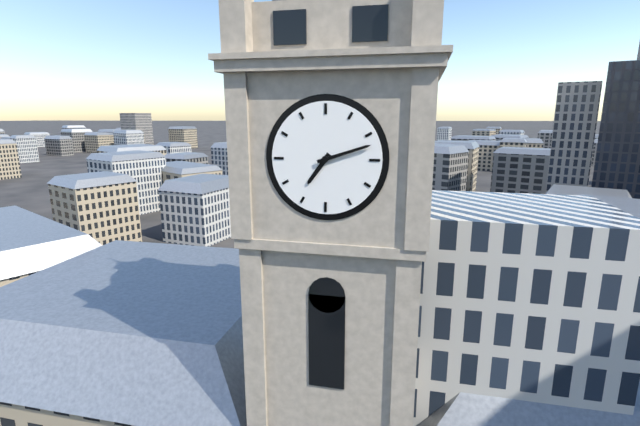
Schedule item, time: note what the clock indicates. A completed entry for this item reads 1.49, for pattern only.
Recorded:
7.12
